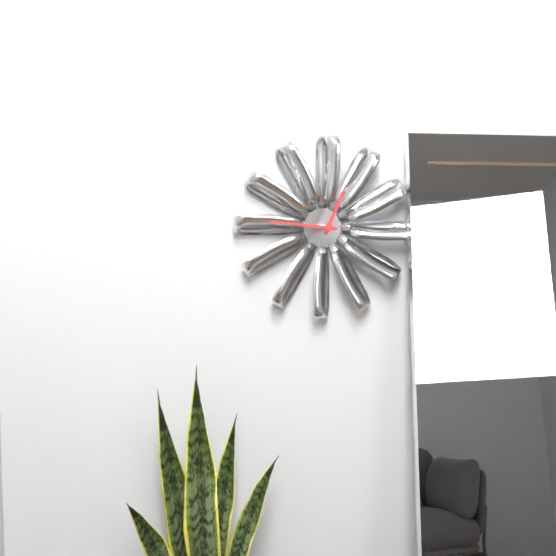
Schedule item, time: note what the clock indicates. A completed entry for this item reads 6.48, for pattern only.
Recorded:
12.46
